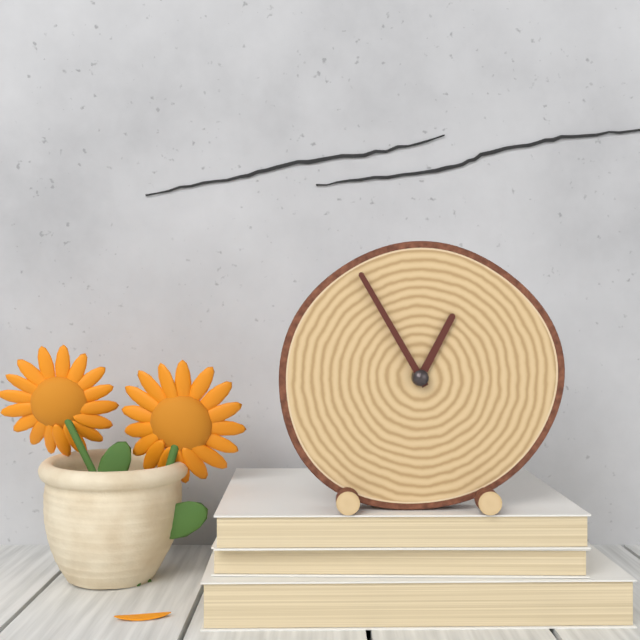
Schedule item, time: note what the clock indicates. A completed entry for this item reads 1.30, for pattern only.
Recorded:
12.55
